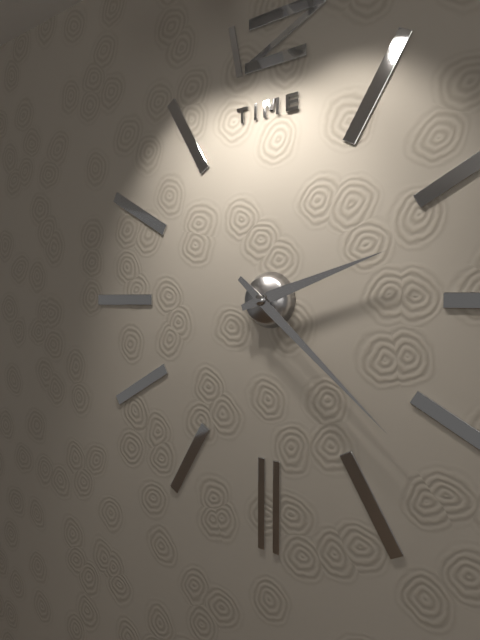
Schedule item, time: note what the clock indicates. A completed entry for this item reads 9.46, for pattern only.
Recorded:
2.22
